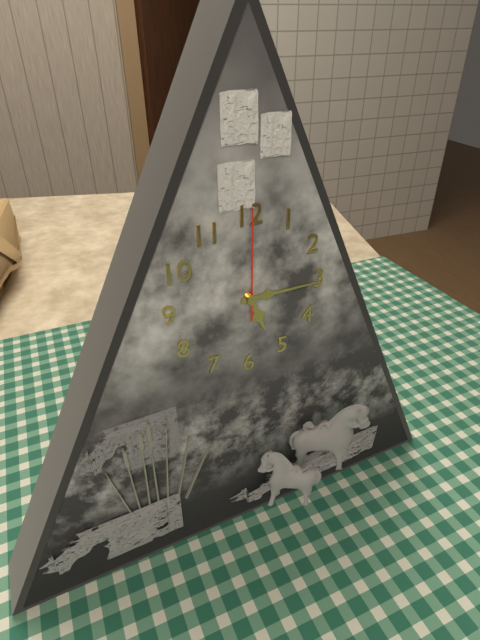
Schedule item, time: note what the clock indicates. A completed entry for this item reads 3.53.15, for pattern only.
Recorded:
5.15.00
